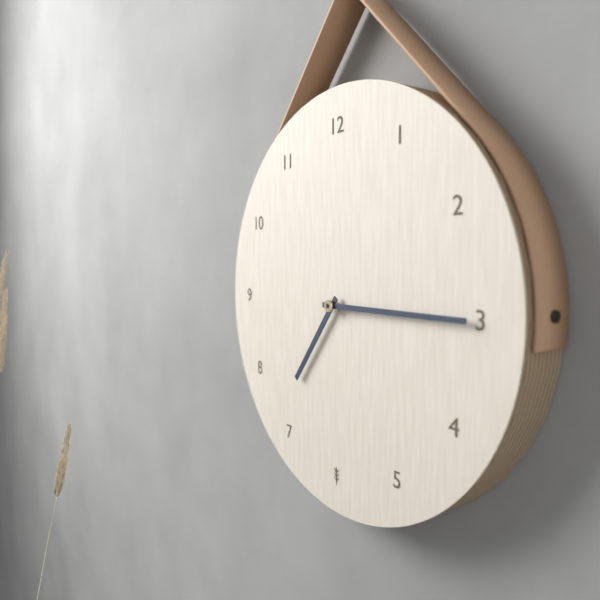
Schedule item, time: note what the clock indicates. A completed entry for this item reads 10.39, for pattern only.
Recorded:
7.15
